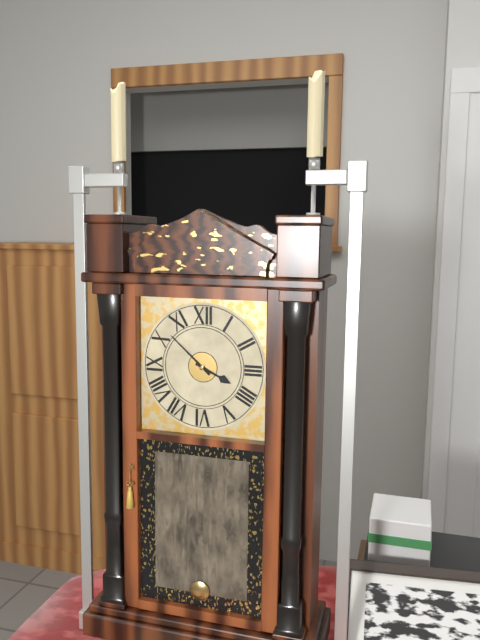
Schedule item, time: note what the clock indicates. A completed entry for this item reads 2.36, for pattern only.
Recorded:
3.52
